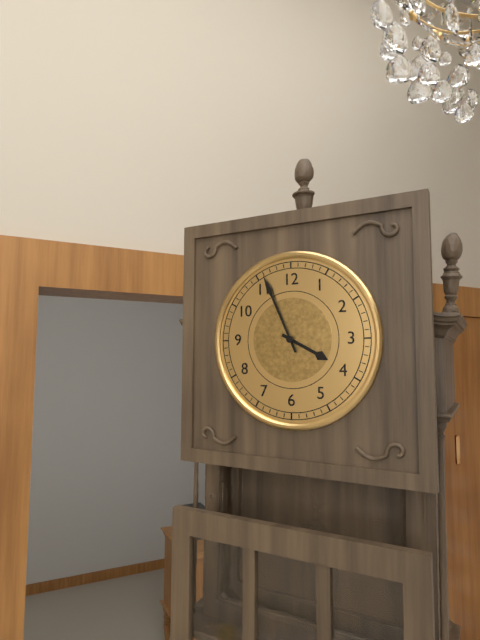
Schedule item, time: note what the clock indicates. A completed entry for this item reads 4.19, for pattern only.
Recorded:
3.56
